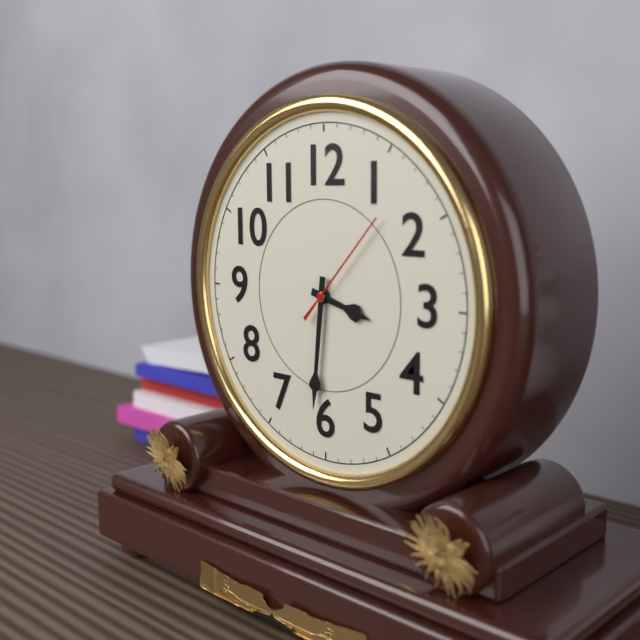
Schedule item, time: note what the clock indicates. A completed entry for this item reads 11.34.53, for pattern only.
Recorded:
3.31.07
